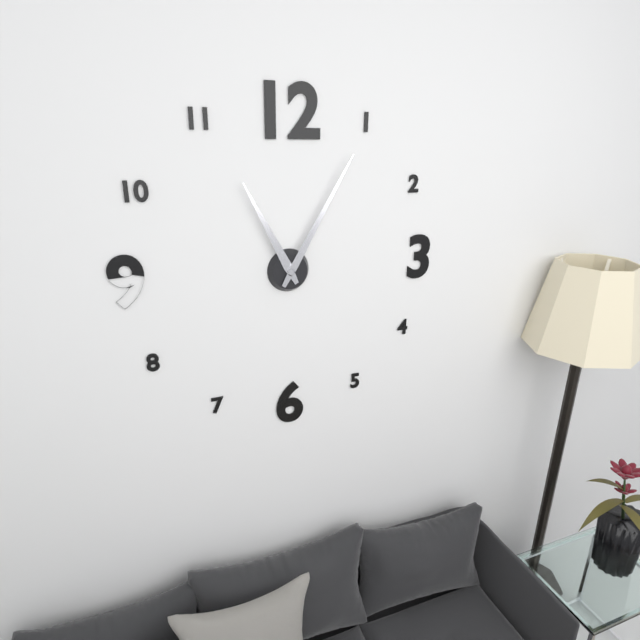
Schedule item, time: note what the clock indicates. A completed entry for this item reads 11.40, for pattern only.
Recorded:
11.05
